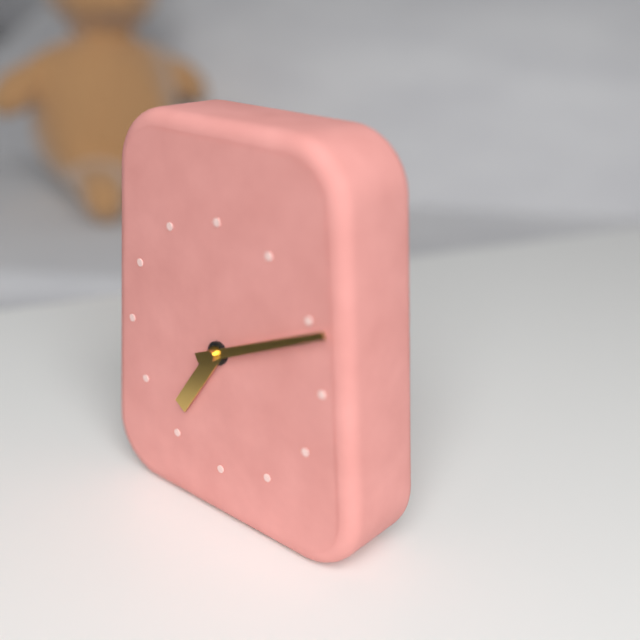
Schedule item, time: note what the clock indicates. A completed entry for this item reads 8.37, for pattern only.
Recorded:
7.11
